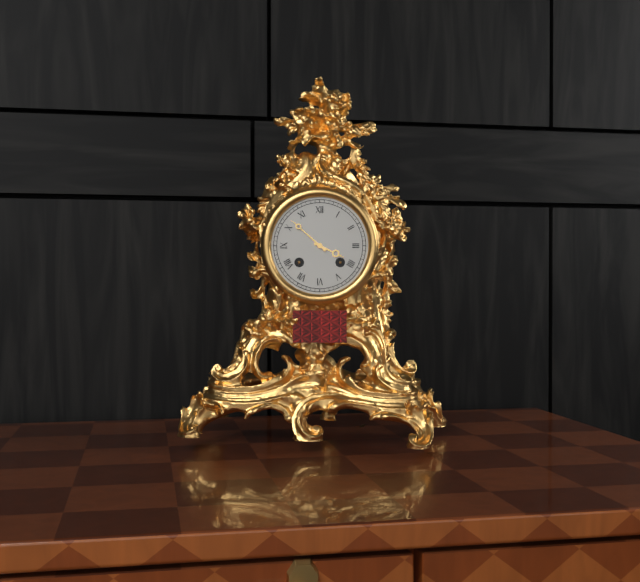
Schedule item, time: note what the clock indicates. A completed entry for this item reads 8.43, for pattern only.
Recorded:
3.52
